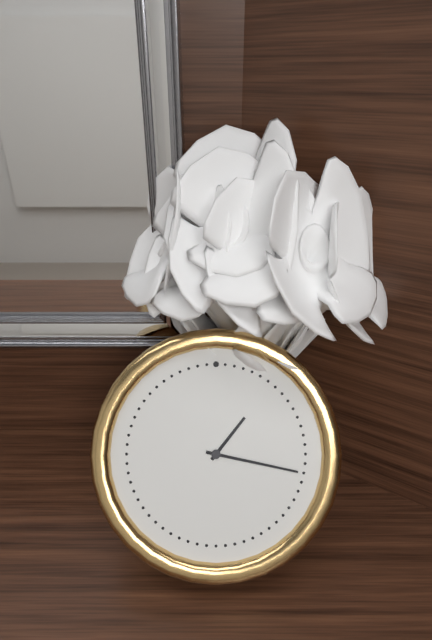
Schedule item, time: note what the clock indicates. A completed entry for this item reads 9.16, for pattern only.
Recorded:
1.17
